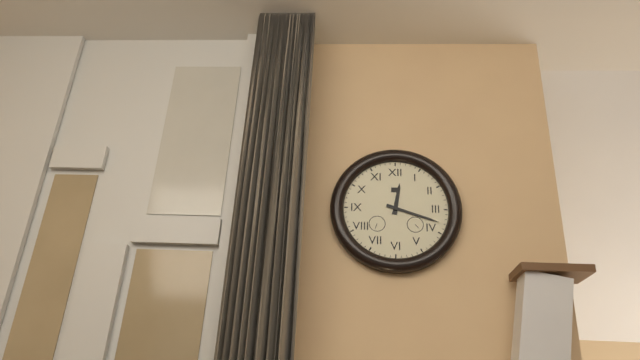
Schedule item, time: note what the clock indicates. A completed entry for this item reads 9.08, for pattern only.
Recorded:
12.18
